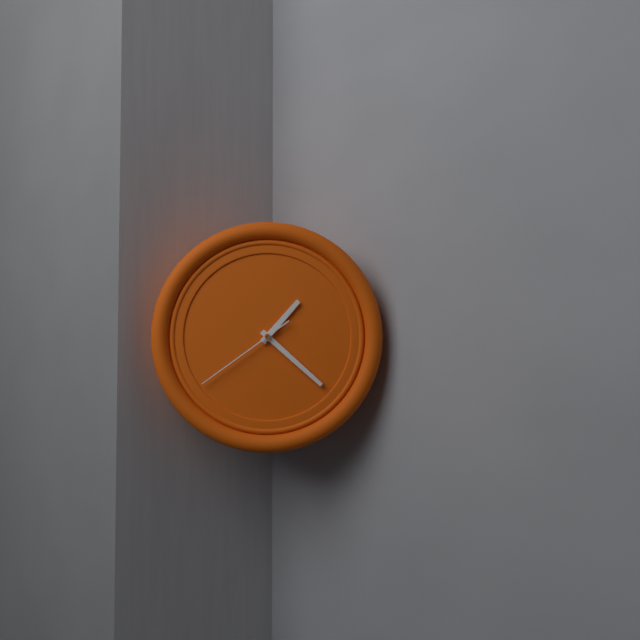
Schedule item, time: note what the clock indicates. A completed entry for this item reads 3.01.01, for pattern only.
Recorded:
1.22.39
